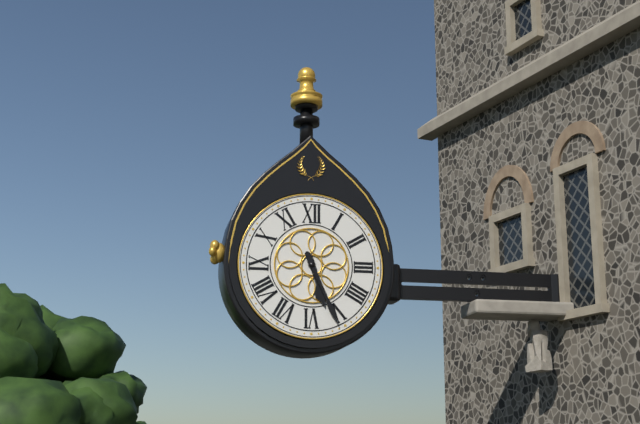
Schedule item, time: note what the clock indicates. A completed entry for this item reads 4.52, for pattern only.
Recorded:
5.26
